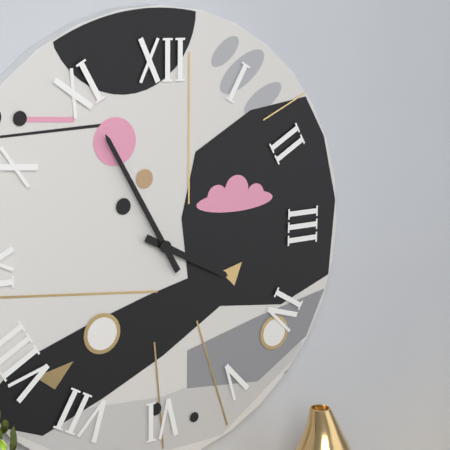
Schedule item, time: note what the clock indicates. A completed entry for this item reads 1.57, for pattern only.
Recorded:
3.55
